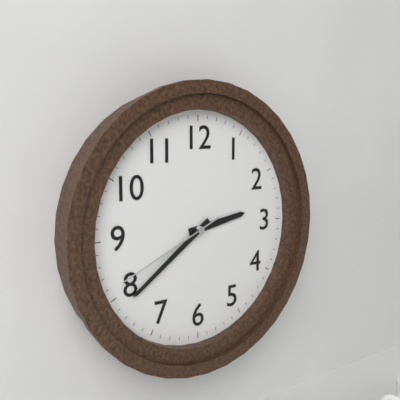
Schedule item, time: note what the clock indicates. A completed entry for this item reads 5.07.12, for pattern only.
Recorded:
2.39.41
